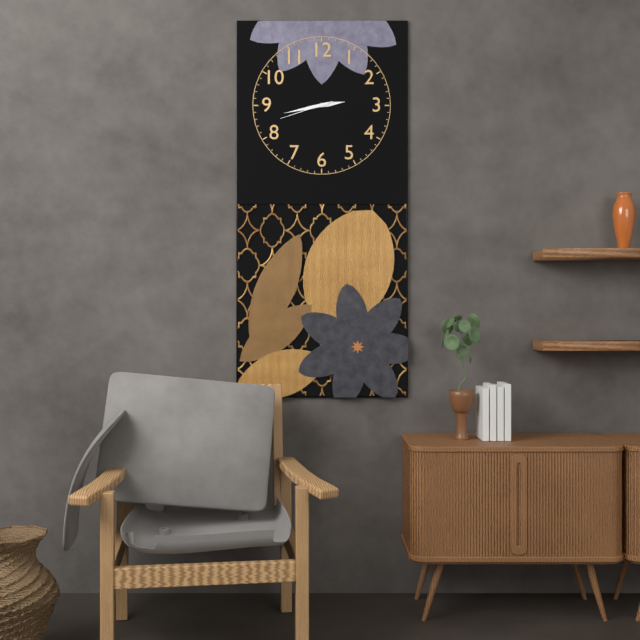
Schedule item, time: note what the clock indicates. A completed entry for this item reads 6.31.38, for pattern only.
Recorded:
2.43.42
